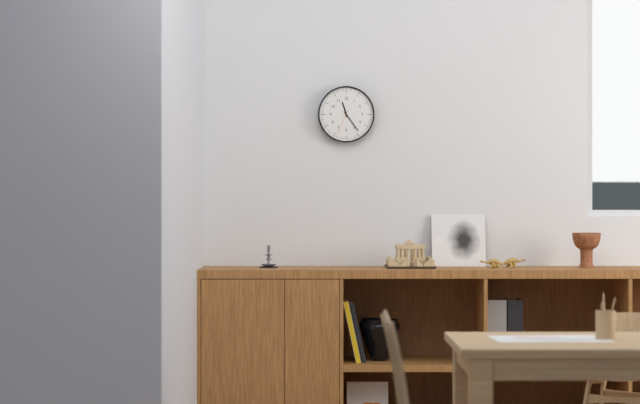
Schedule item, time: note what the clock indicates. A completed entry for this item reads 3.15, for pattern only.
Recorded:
11.24
